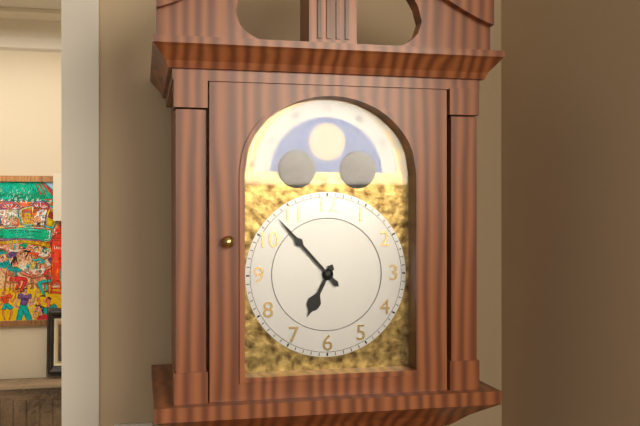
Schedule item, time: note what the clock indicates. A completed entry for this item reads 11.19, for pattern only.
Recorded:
6.53
